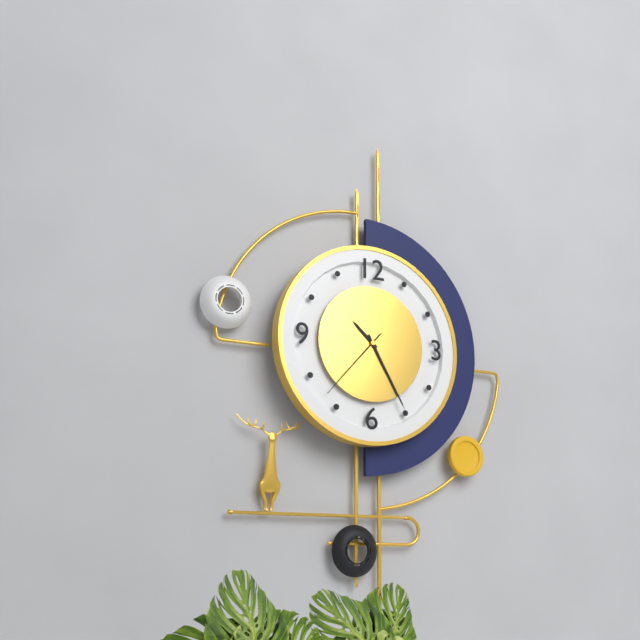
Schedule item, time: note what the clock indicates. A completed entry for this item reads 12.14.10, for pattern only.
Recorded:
10.25.37
